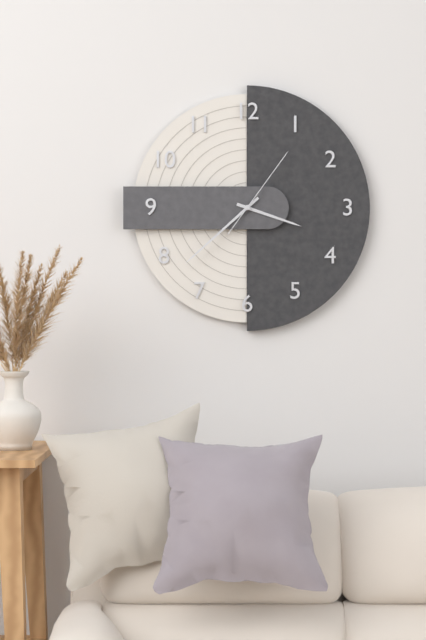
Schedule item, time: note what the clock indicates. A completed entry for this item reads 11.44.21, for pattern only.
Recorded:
3.38.06
